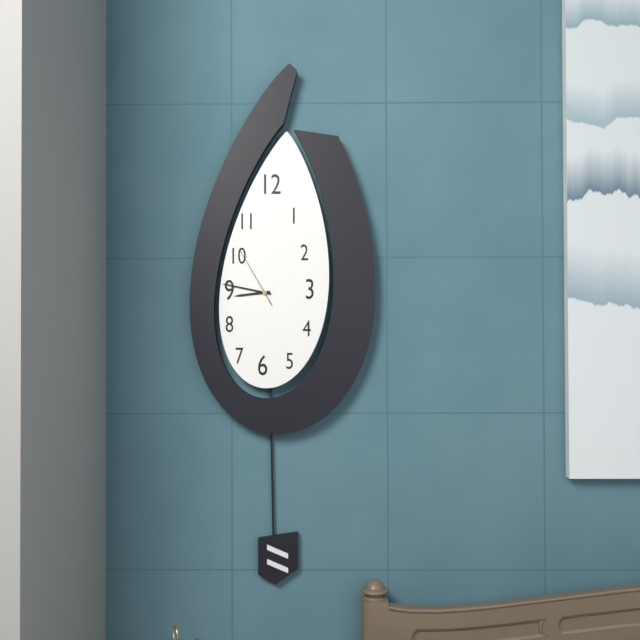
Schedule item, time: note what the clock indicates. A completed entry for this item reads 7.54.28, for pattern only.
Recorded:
8.47.55
